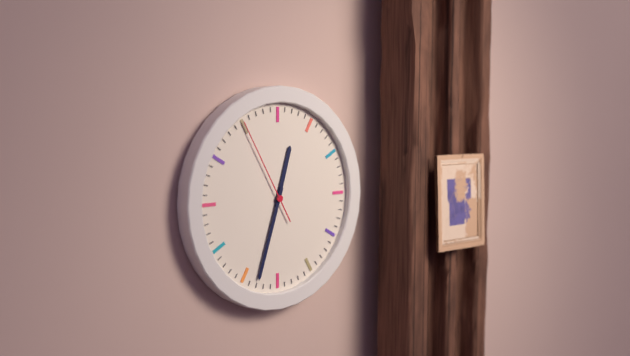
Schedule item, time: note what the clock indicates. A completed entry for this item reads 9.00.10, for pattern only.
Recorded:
12.33.55
